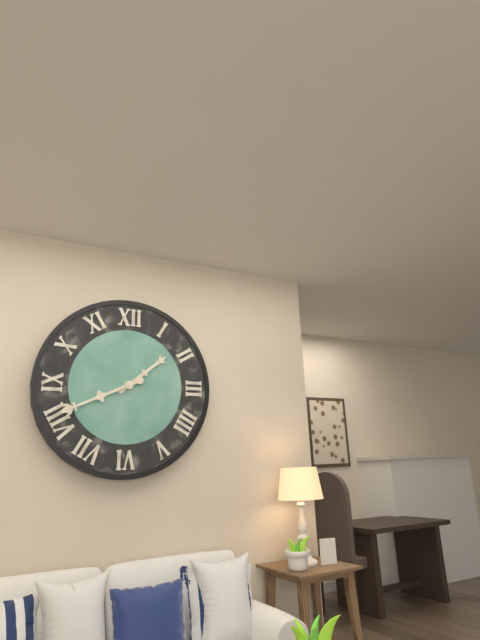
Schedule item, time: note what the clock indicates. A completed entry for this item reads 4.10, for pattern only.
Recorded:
1.41
